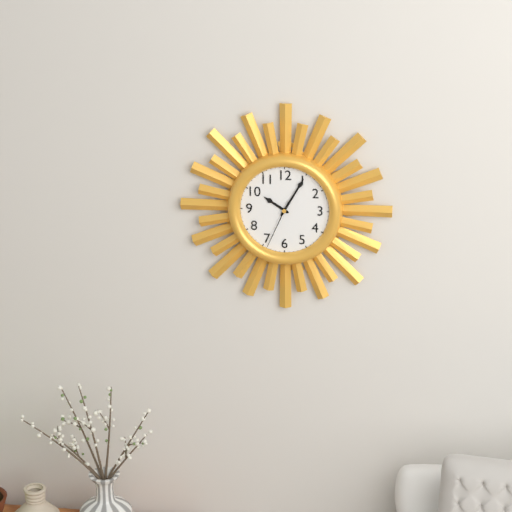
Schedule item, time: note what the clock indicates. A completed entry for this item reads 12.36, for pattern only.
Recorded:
10.05
